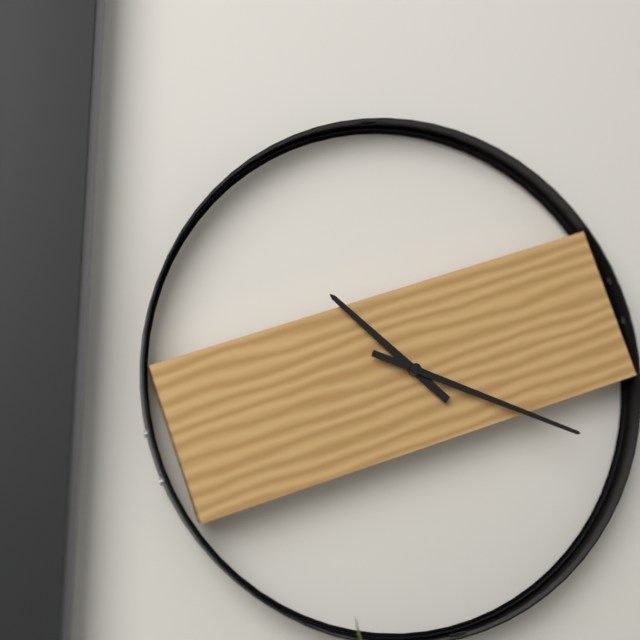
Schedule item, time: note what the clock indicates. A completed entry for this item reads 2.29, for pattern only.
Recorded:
10.18
